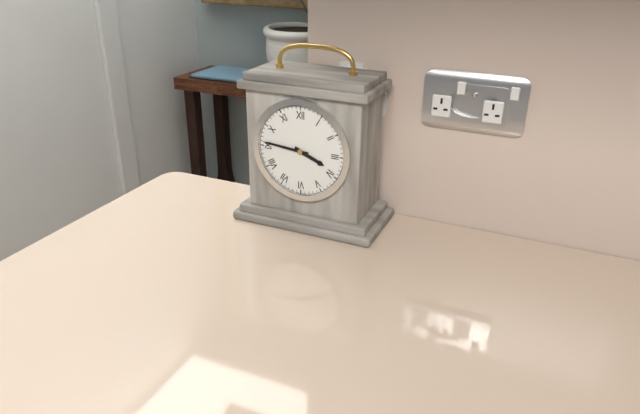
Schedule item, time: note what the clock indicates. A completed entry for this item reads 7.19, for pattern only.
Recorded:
3.46
